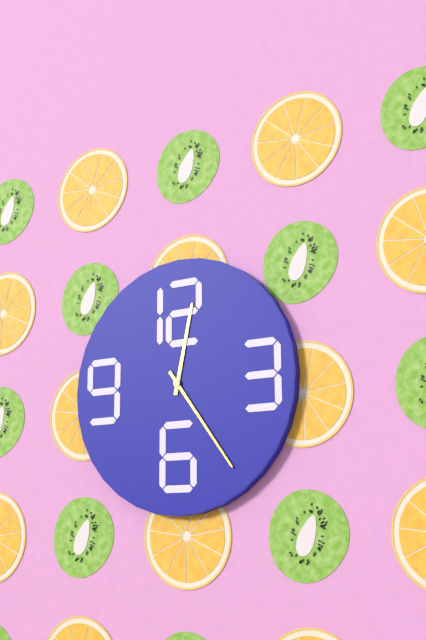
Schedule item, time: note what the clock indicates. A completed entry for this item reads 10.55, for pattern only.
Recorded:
12.24
